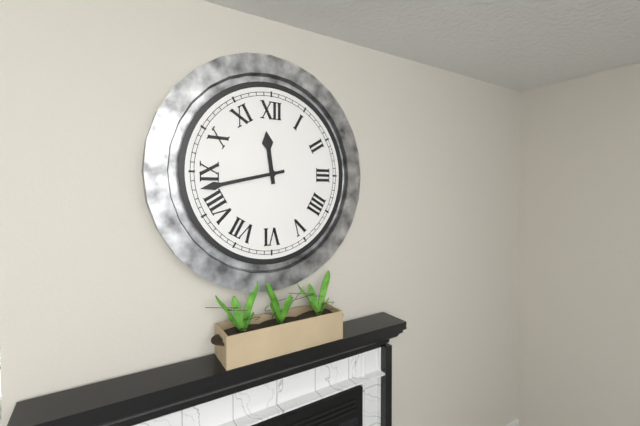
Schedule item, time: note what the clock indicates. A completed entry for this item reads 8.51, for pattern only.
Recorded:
11.43
